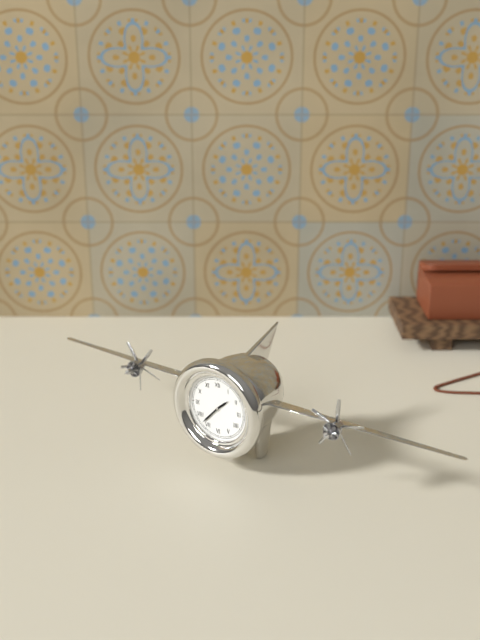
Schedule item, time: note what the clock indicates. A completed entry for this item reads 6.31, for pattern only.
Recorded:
1.37
